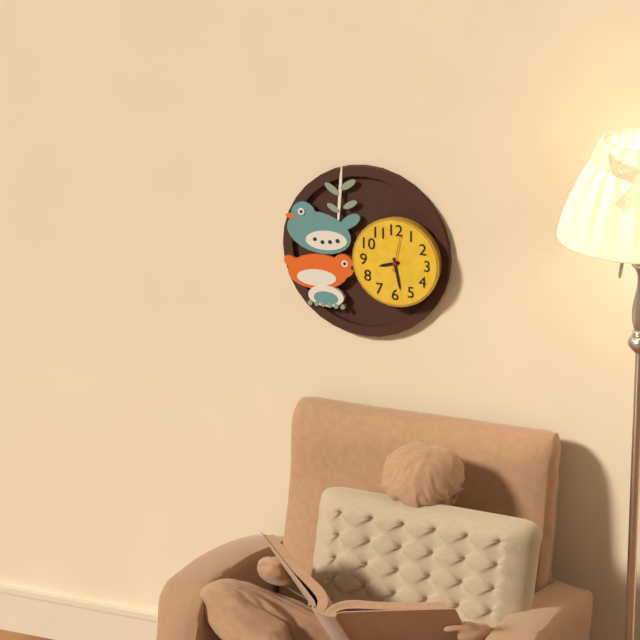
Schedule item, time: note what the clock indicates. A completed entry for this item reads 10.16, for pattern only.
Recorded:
8.28
